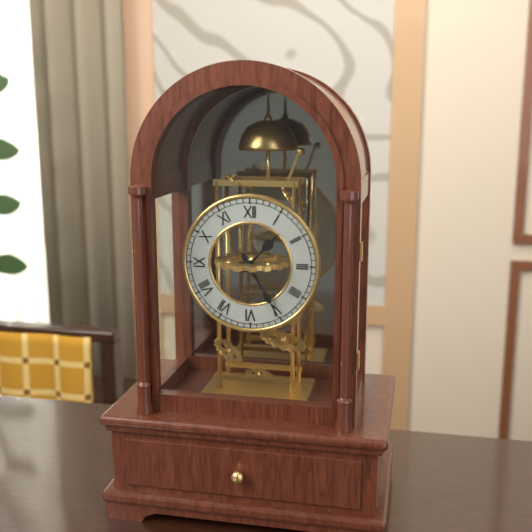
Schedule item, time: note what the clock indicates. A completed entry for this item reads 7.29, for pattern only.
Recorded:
1.25
